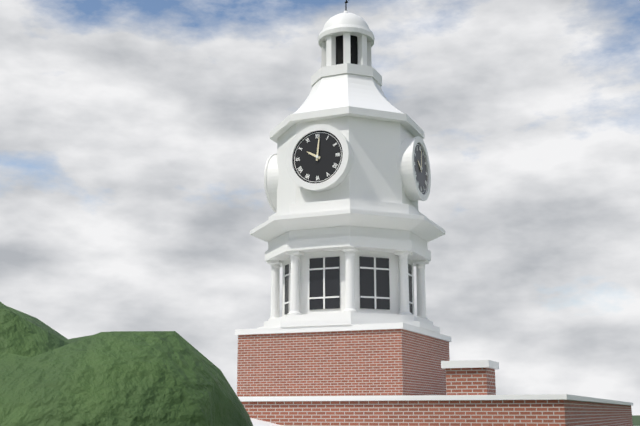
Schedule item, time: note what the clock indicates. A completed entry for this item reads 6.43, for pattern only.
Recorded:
10.01
